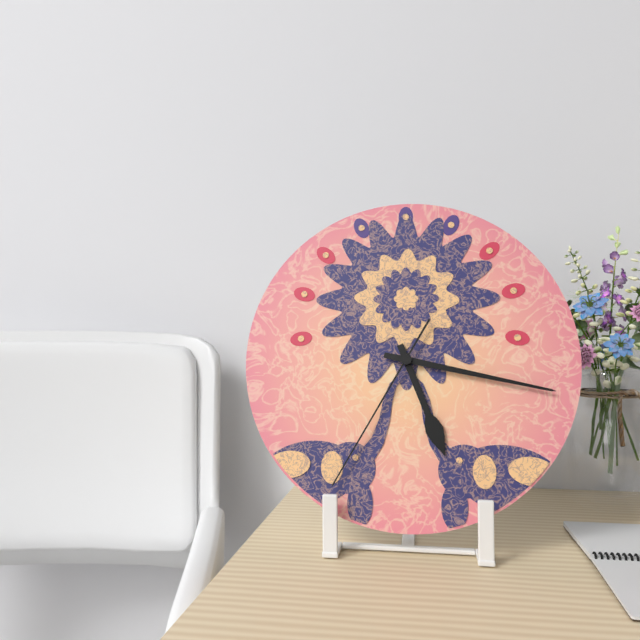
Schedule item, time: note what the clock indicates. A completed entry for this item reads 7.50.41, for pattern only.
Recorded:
5.17.35
